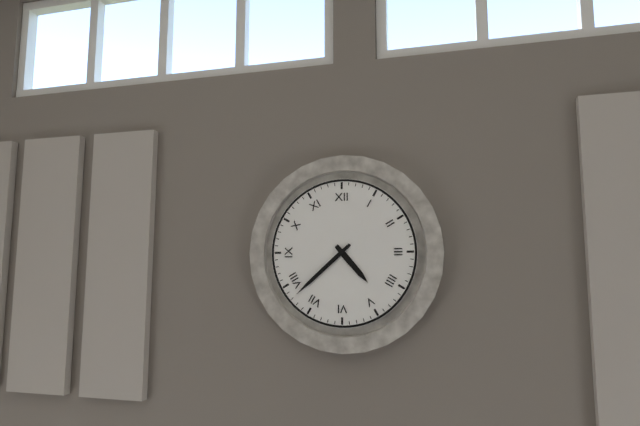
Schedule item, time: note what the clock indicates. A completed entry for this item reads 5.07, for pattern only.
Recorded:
4.38
